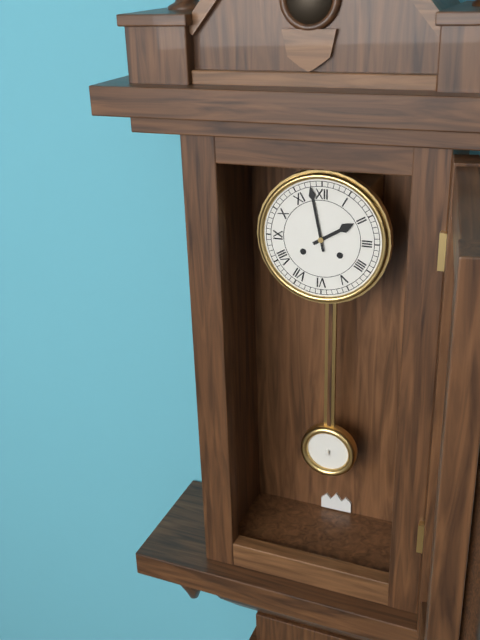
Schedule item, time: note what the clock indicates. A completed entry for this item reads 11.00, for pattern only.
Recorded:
1.58
